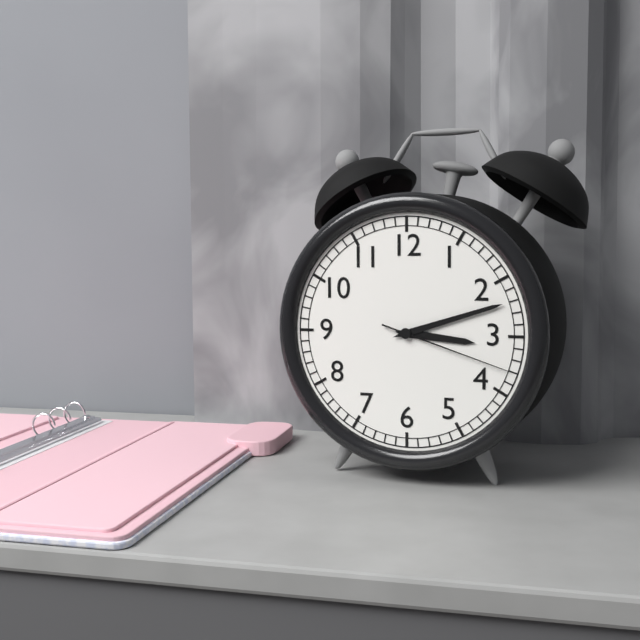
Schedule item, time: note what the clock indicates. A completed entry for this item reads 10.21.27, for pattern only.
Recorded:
3.12.18
